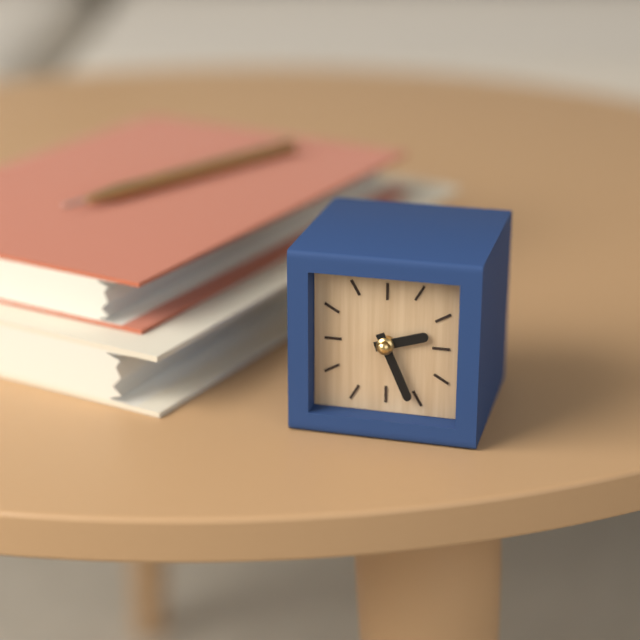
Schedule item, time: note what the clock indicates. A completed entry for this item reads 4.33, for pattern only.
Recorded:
2.26
